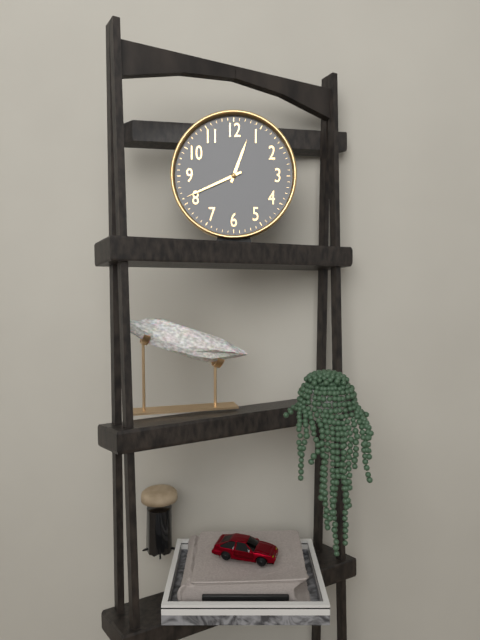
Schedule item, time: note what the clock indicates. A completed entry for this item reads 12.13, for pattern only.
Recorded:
12.41
